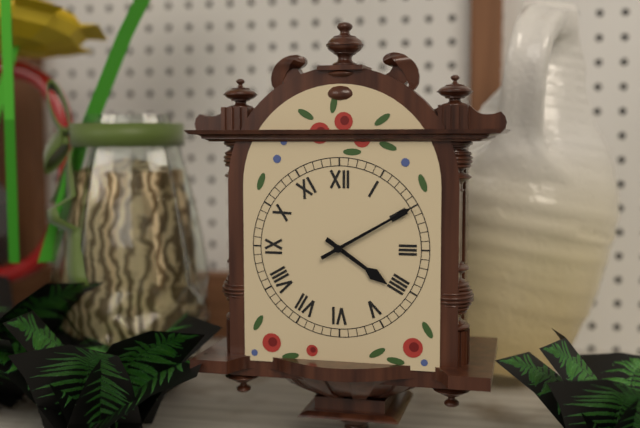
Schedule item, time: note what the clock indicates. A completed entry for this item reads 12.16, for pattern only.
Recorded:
4.10
